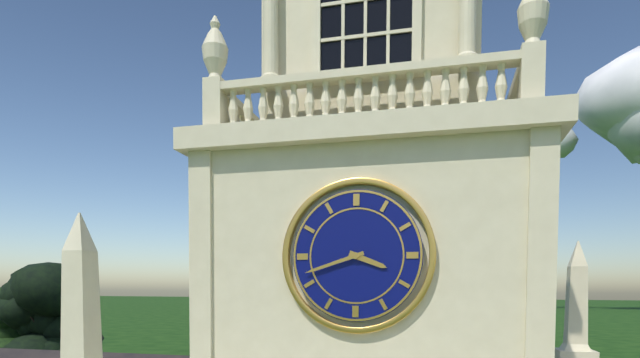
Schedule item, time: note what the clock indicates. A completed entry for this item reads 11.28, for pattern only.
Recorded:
3.42
